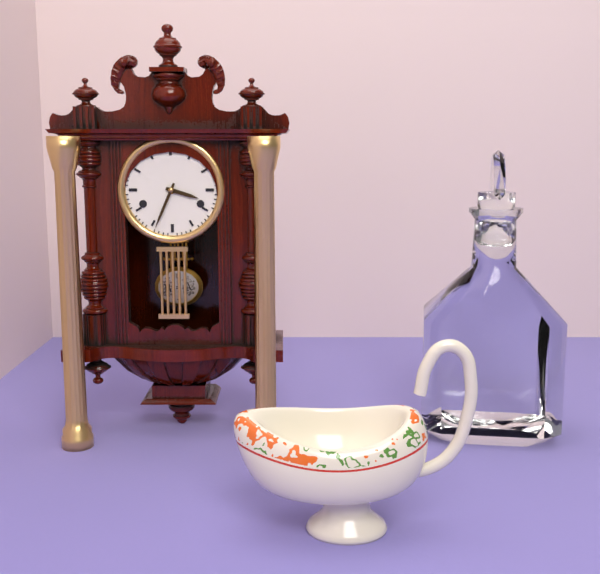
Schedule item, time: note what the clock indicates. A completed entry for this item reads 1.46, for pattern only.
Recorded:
3.34
